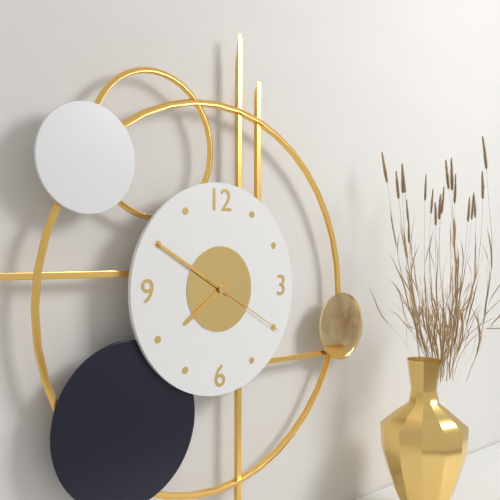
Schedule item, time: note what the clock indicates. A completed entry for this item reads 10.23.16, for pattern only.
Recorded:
7.50.20
